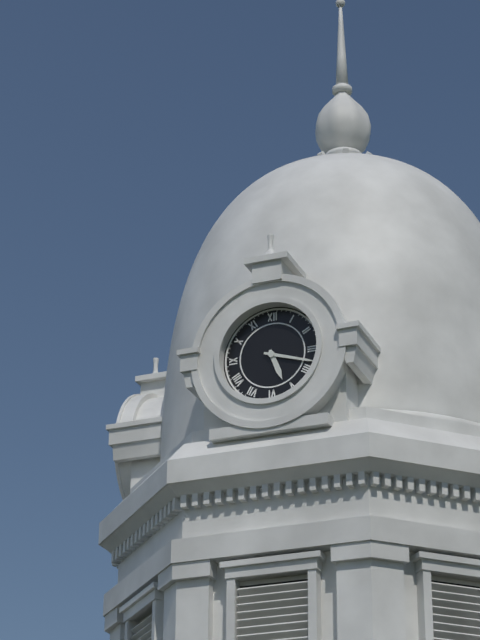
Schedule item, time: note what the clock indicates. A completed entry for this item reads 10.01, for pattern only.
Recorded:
5.18
